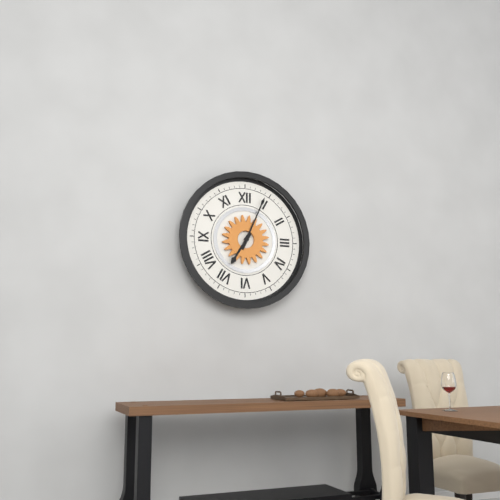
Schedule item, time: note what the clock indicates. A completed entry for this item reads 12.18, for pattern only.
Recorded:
7.04
